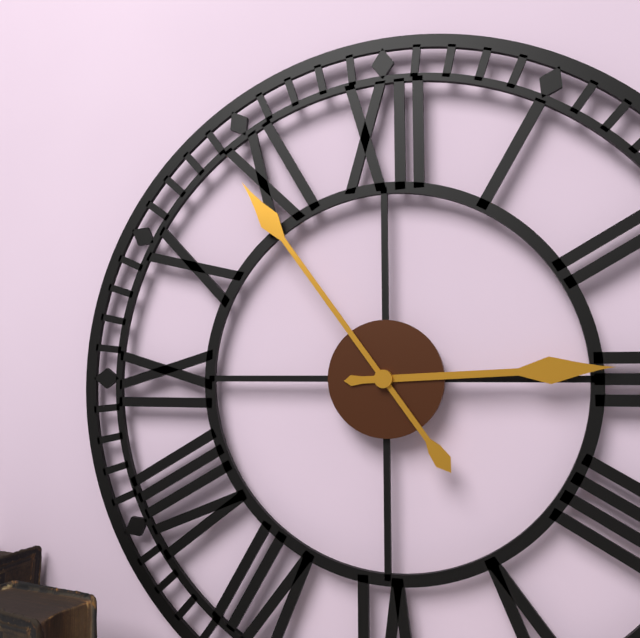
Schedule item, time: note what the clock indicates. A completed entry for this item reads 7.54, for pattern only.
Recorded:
2.54
